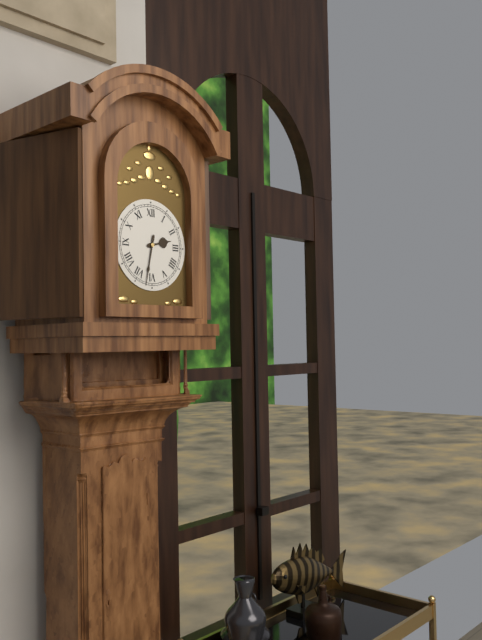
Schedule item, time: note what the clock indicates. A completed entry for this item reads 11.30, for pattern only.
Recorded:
2.32
